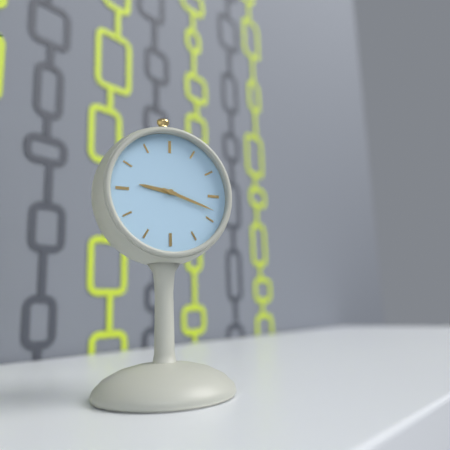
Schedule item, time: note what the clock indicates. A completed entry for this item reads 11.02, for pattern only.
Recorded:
9.18
